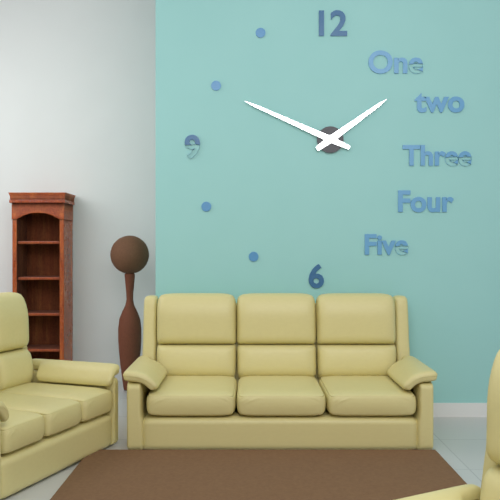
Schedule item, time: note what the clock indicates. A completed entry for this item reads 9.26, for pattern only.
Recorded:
1.49
